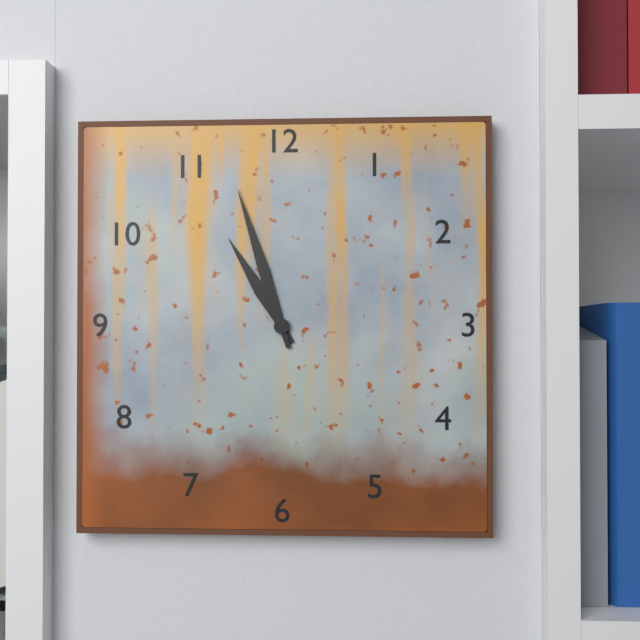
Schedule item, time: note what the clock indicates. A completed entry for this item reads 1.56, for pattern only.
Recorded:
10.57
